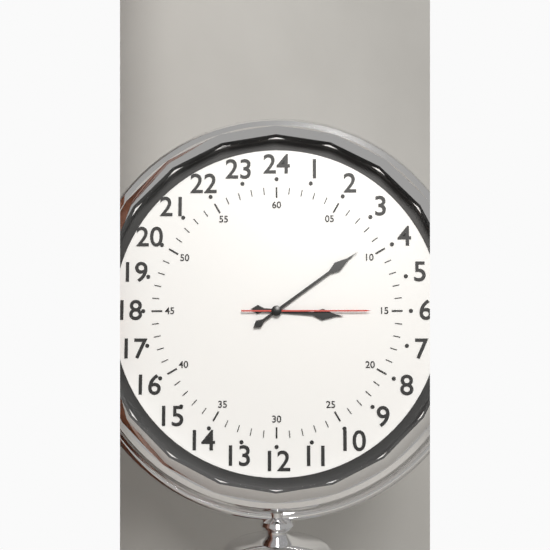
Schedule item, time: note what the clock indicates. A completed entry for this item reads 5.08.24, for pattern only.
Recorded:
3.09.15
